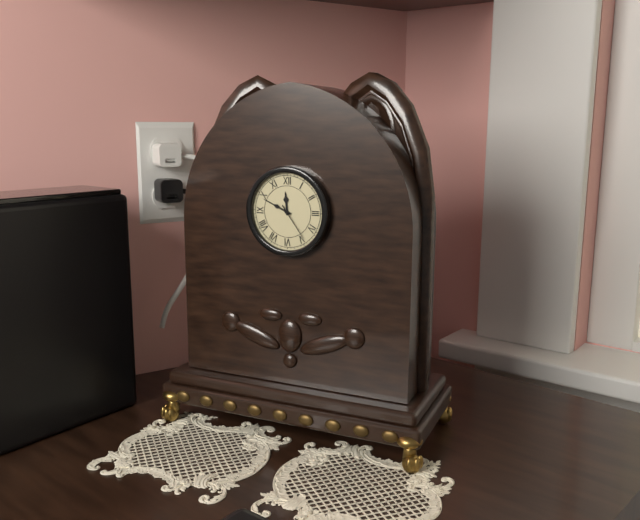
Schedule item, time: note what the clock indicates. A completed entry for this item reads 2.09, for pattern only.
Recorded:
11.49
